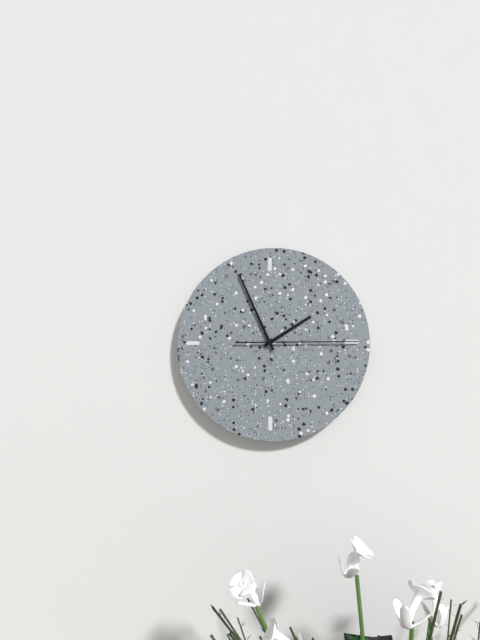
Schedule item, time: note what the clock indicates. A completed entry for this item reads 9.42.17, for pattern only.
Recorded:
1.56.15
